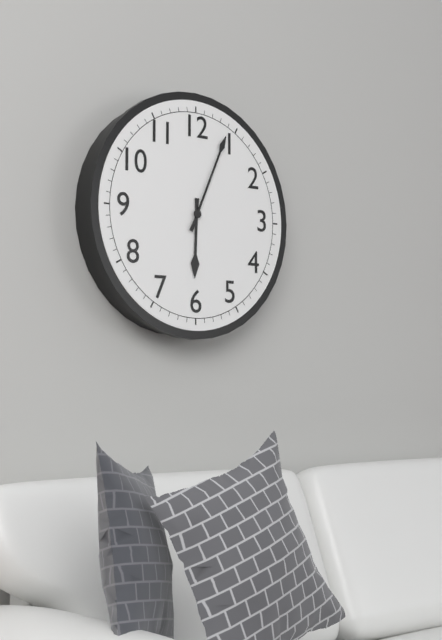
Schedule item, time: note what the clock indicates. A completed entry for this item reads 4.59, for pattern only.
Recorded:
6.04
